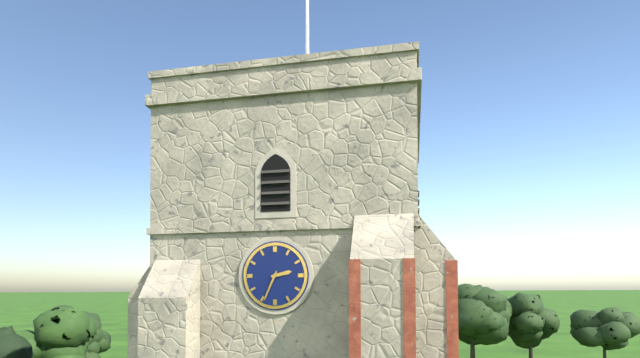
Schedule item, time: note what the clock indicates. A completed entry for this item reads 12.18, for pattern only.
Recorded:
2.34
